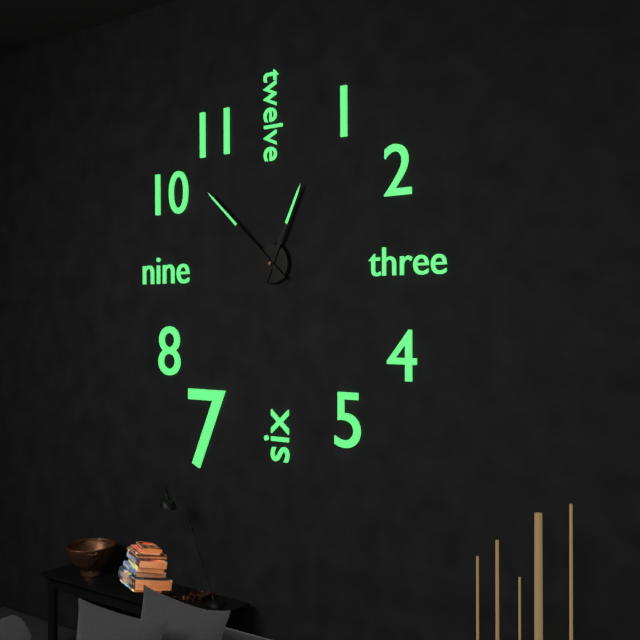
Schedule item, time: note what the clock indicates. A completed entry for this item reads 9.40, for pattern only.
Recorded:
12.52
